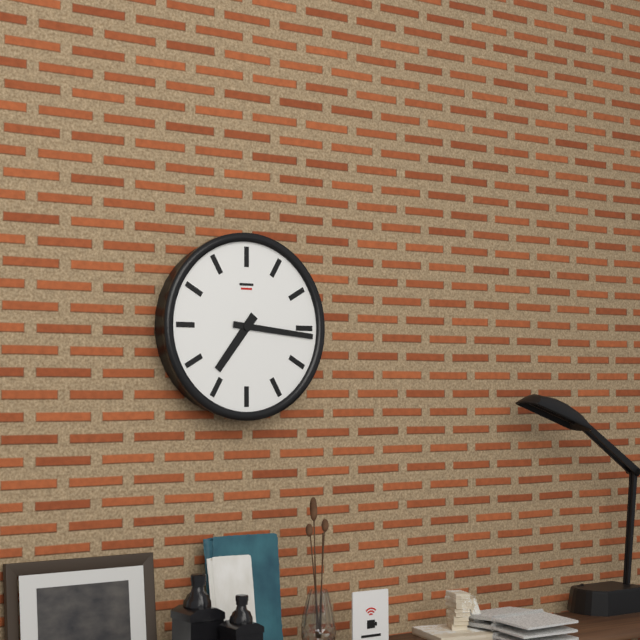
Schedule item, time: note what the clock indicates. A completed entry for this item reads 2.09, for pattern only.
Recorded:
7.16
